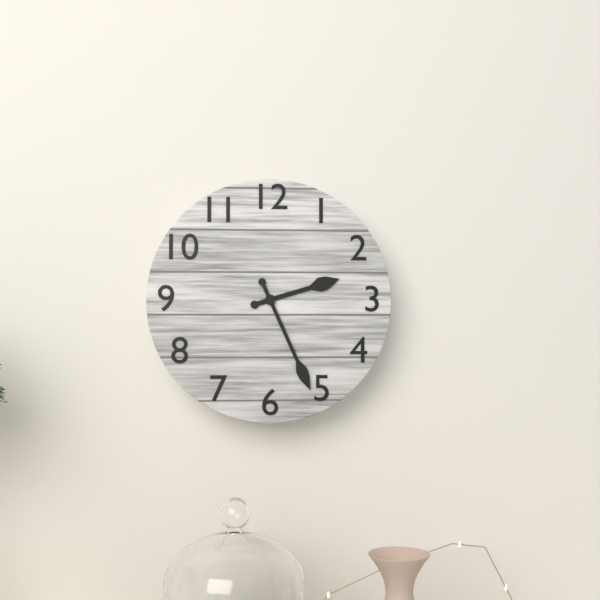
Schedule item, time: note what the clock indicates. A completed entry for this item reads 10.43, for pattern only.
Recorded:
2.26
